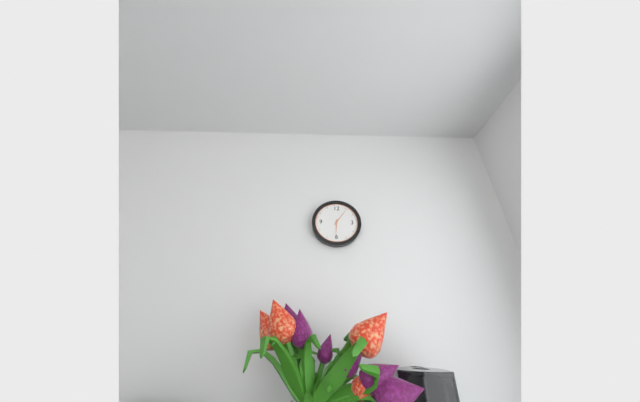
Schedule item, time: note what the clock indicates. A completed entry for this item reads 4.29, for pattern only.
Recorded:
6.06
